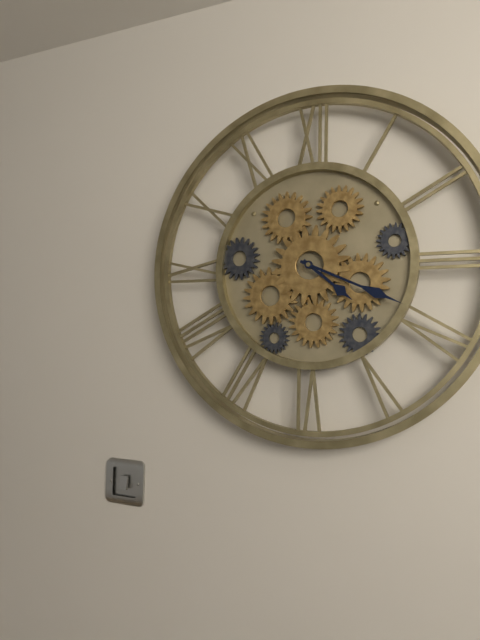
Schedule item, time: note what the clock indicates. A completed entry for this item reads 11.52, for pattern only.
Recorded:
4.19
